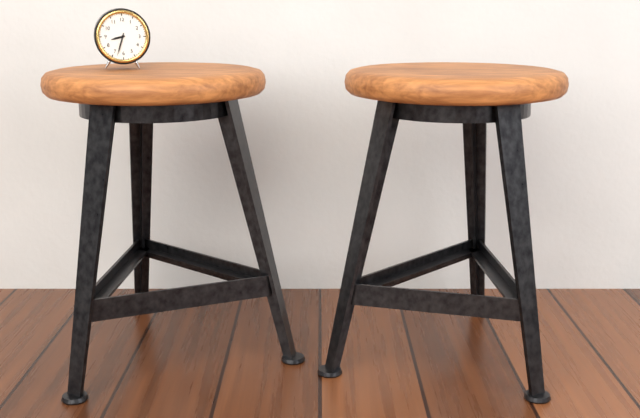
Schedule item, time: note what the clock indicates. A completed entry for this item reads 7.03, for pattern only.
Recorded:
8.33
